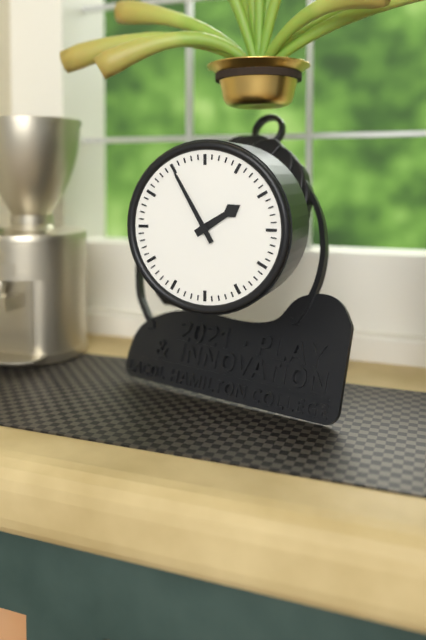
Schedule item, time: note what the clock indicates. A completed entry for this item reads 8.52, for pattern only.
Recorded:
1.55
